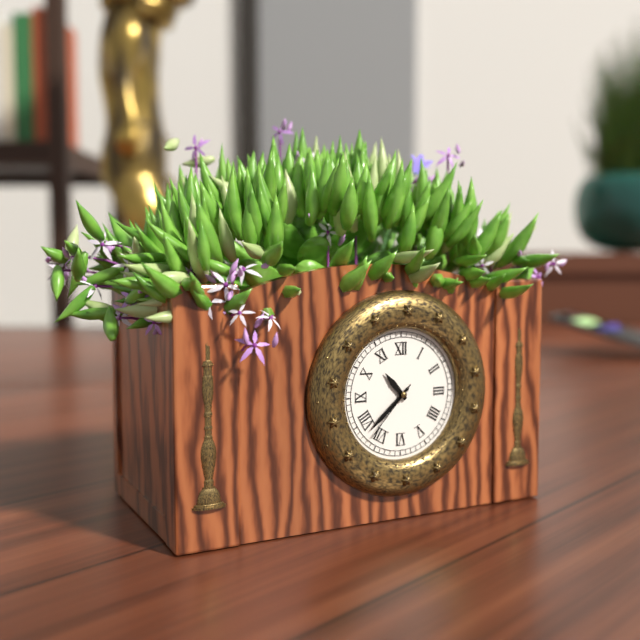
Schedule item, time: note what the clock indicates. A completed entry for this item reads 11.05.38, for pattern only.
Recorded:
10.38.37
